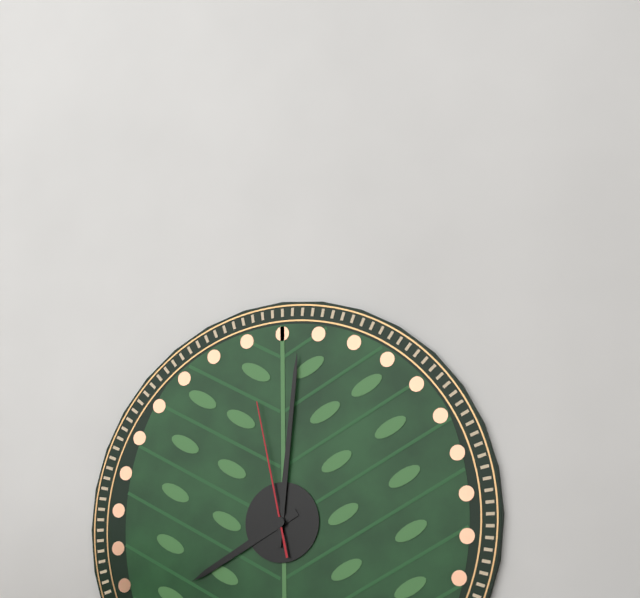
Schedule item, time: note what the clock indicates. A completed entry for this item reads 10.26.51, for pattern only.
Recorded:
8.01.58
